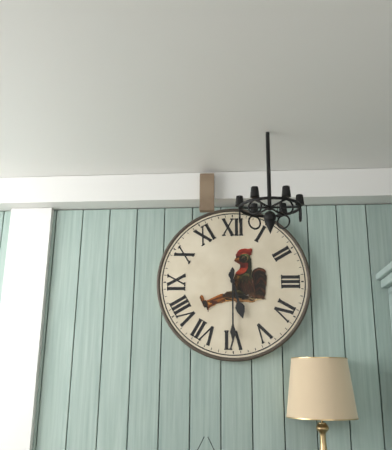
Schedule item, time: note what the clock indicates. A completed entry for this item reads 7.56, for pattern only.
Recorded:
5.30
